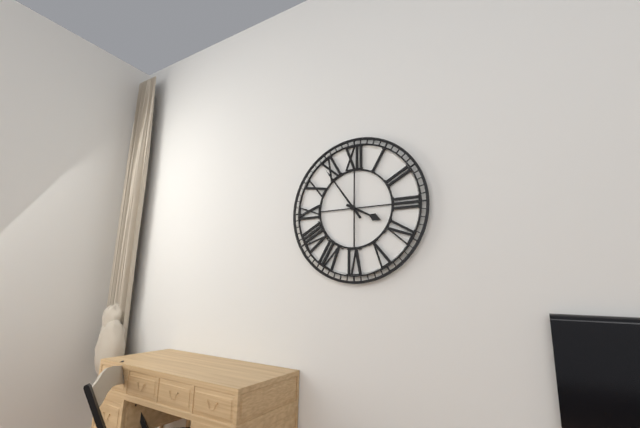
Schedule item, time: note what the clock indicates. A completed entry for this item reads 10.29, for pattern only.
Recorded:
3.54
